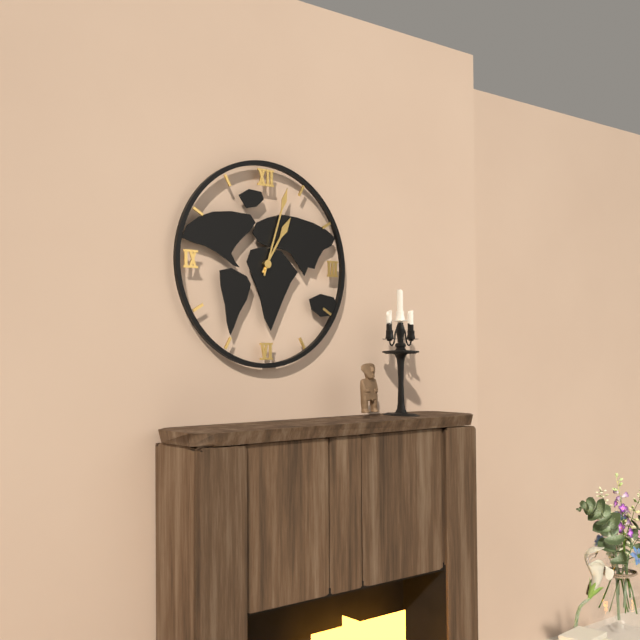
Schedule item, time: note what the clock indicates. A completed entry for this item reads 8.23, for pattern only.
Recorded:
1.03
